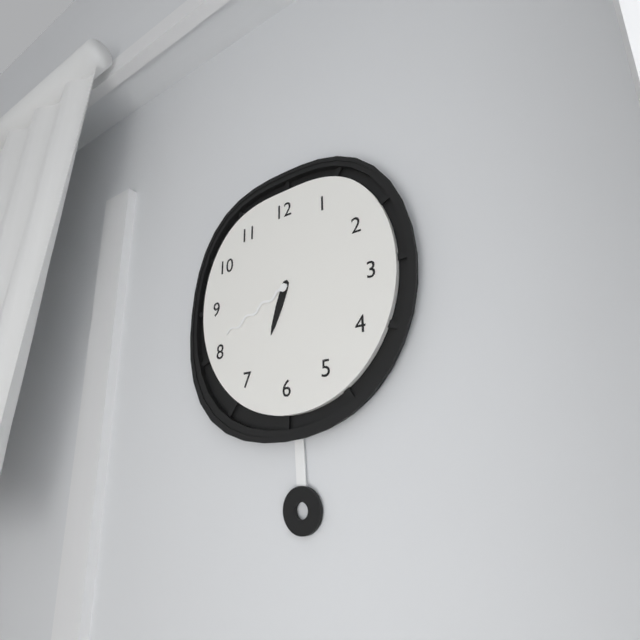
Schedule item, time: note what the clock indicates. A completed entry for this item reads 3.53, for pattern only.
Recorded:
6.41
